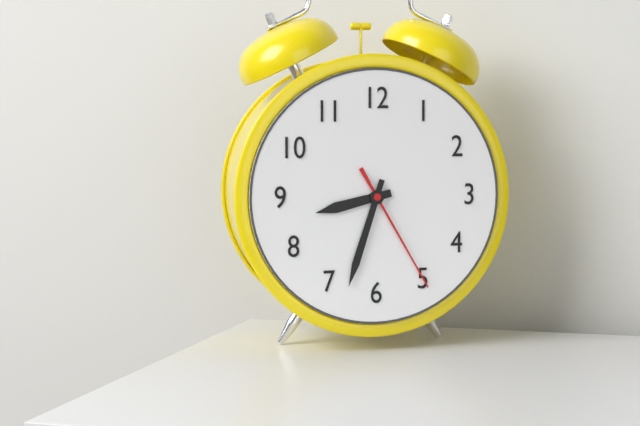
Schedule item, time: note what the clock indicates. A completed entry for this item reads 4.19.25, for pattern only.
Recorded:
8.33.25
